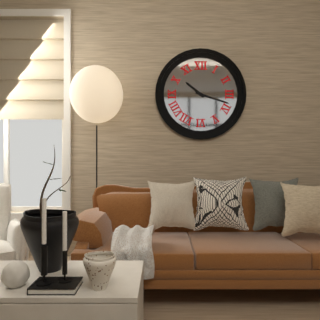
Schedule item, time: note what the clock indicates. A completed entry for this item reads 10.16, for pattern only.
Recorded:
10.18
